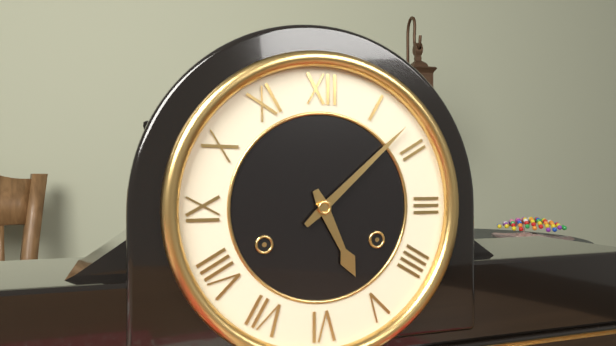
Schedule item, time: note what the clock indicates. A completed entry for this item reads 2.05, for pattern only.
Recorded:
5.08
